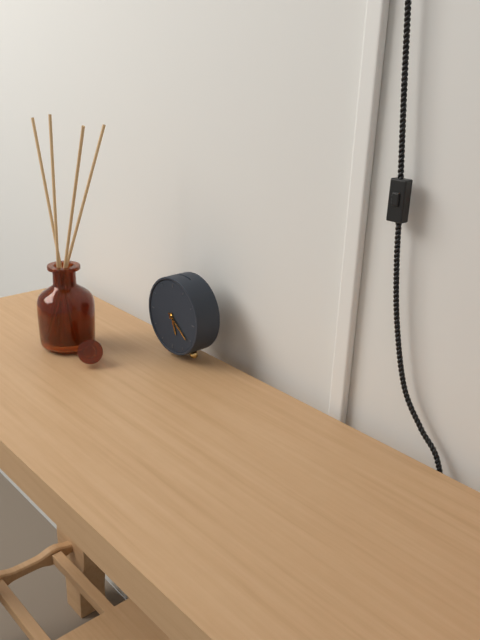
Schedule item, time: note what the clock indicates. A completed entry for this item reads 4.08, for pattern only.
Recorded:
5.21
